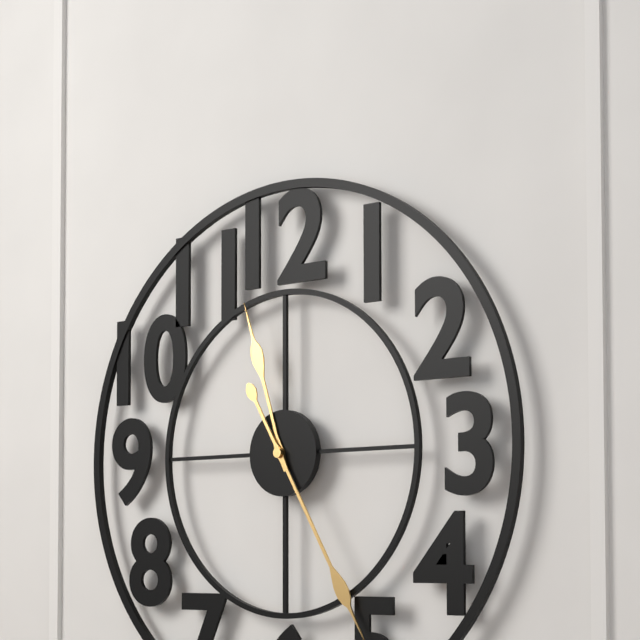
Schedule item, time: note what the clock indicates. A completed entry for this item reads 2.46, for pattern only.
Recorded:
11.25
